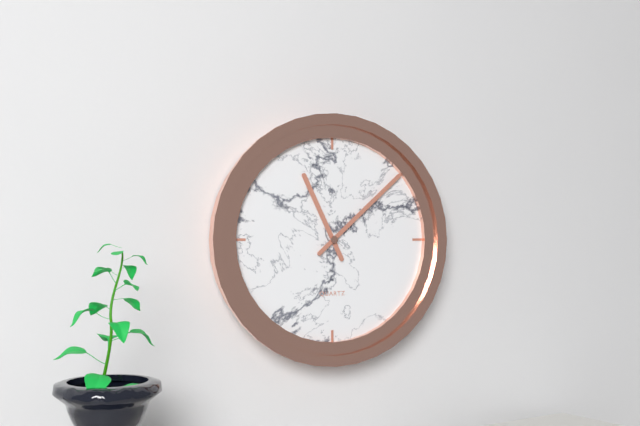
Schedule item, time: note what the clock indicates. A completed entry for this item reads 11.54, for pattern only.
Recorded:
11.08
